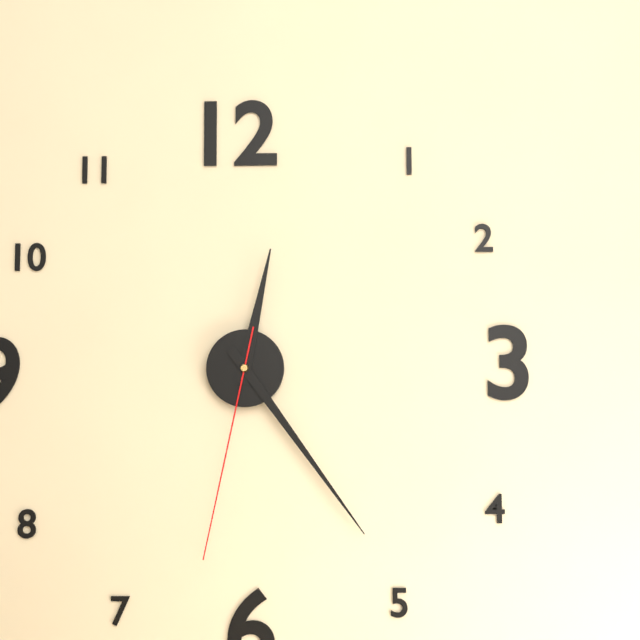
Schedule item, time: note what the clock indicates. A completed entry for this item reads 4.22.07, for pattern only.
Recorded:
12.24.32
